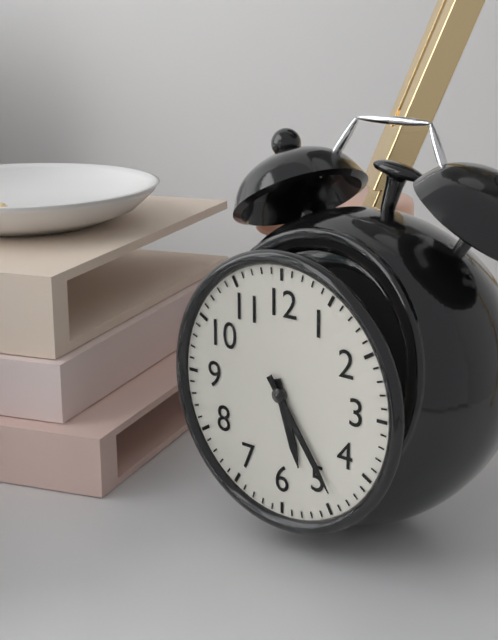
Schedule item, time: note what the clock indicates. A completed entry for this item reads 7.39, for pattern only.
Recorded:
5.24
